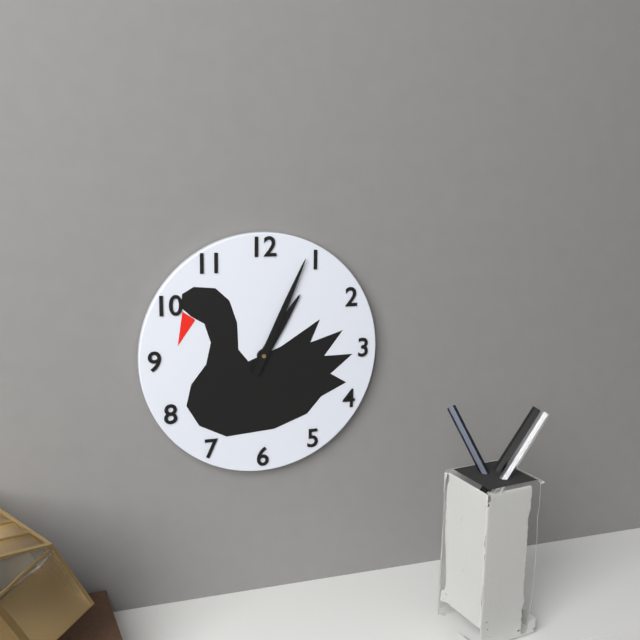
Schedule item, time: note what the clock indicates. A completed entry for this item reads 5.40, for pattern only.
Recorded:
1.04
